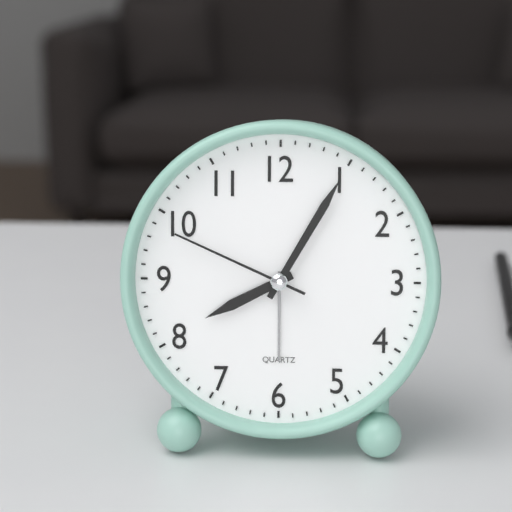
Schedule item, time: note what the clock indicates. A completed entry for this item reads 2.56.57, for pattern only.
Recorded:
8.05.49
